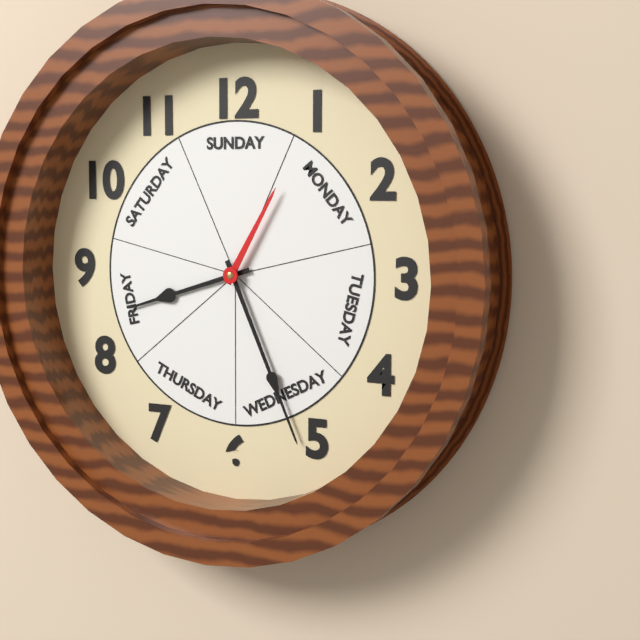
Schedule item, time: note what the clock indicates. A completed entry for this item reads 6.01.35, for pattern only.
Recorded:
8.26.05
